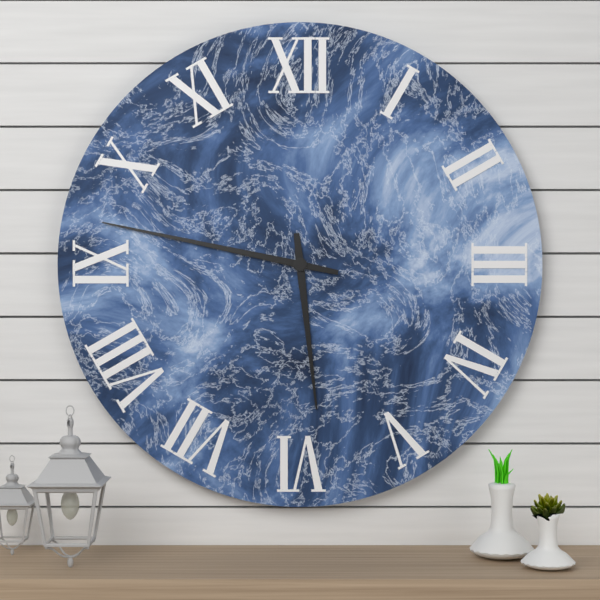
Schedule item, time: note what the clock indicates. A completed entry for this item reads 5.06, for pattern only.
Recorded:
5.47
